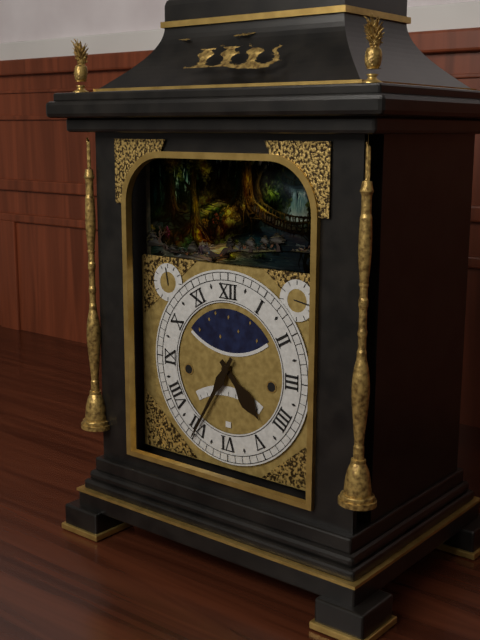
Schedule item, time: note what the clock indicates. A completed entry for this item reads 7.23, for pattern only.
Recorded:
4.35
